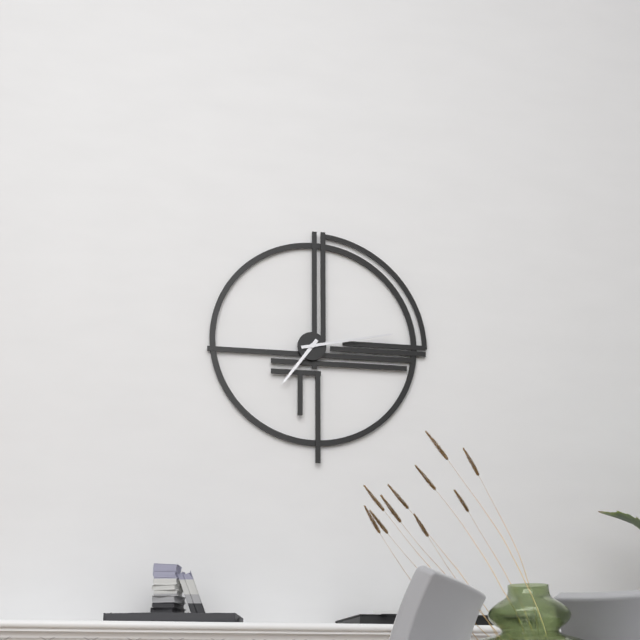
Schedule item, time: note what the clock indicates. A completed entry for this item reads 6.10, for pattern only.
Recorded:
7.13
